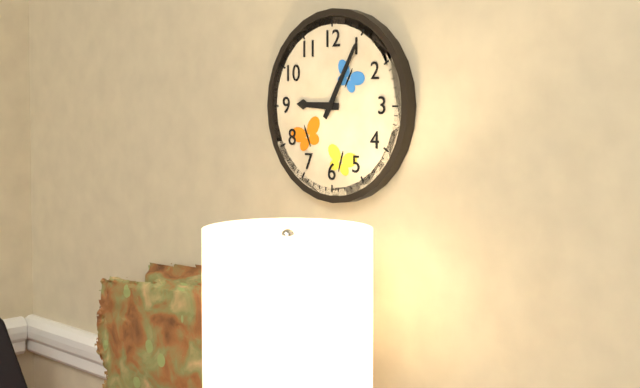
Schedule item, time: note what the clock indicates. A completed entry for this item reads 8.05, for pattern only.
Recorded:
9.05
